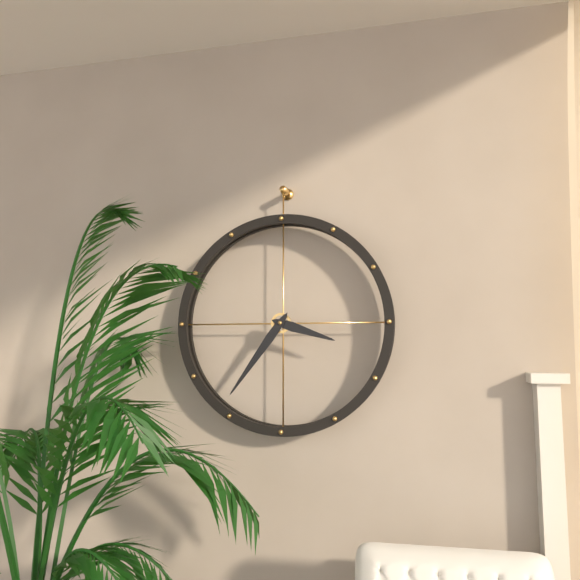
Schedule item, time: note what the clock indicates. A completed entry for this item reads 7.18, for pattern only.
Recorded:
3.36
